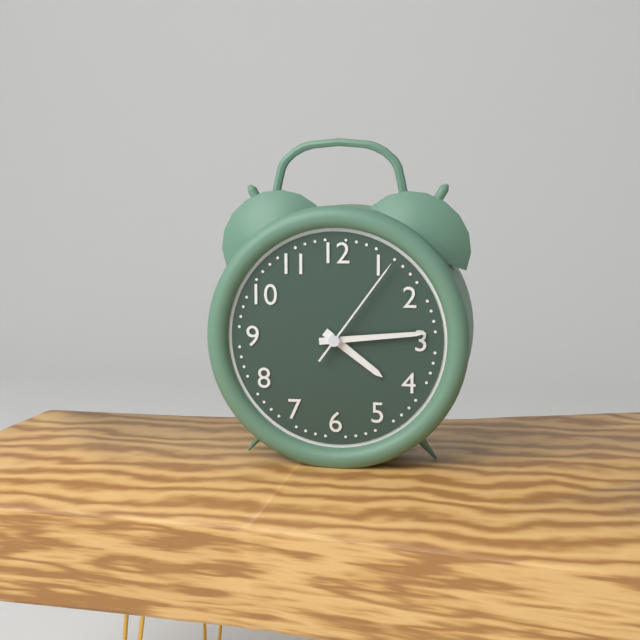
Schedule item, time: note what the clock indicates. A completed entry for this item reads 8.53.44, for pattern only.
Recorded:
4.14.06
